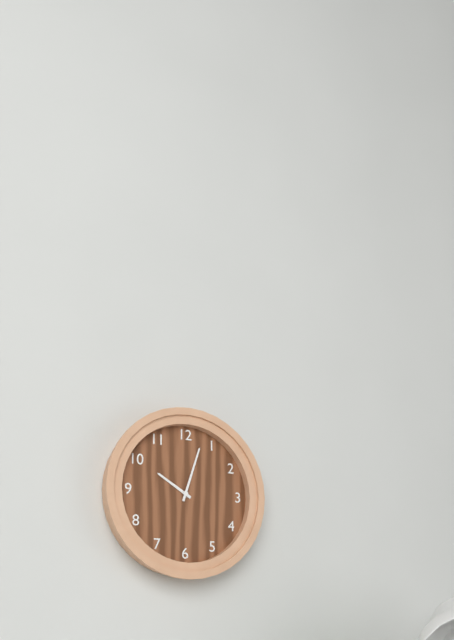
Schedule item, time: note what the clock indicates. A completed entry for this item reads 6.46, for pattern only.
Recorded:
10.03
